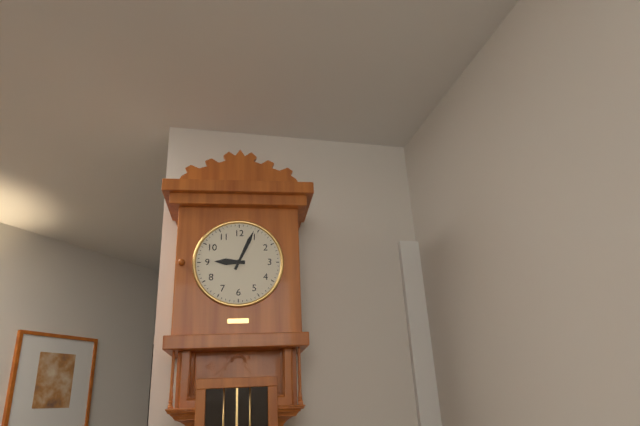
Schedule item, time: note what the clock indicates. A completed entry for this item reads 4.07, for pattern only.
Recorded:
9.04
